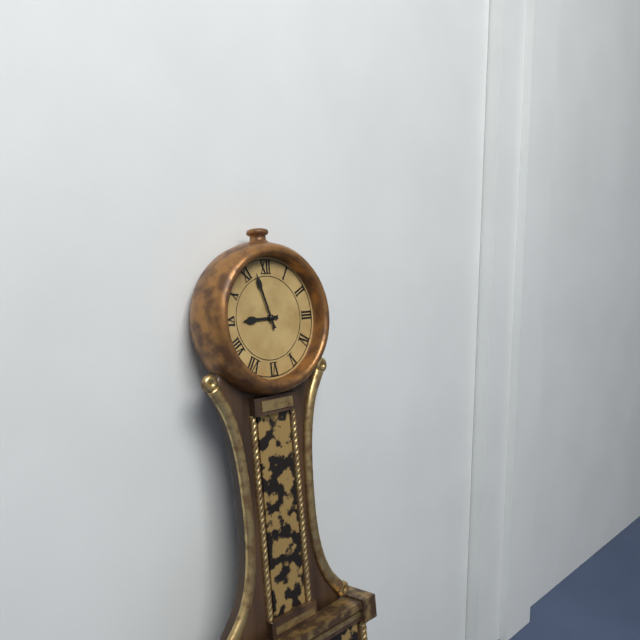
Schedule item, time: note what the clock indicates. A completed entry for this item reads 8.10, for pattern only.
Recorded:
8.57
